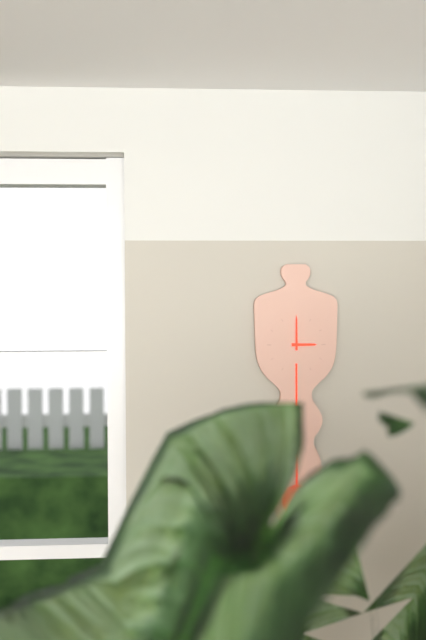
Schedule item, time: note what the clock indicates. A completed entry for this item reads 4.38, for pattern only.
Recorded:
3.00
